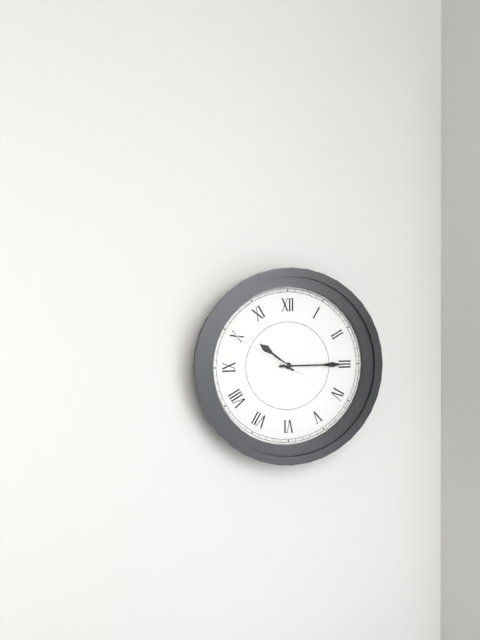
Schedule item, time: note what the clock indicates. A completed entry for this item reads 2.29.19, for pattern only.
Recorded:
10.15.50
